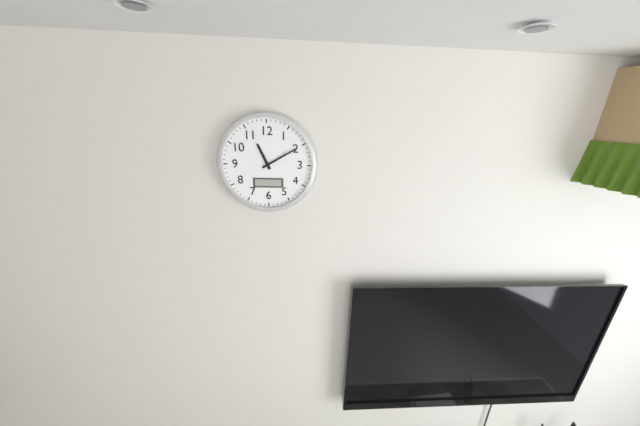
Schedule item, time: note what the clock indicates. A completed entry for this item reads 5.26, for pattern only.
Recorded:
11.10
